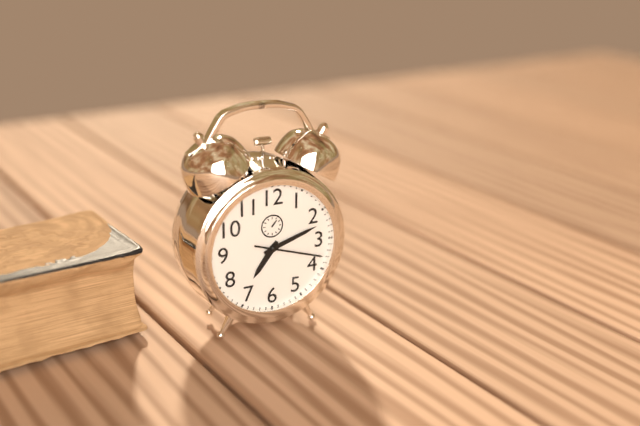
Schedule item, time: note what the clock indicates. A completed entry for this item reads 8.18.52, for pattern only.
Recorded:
7.12.18
